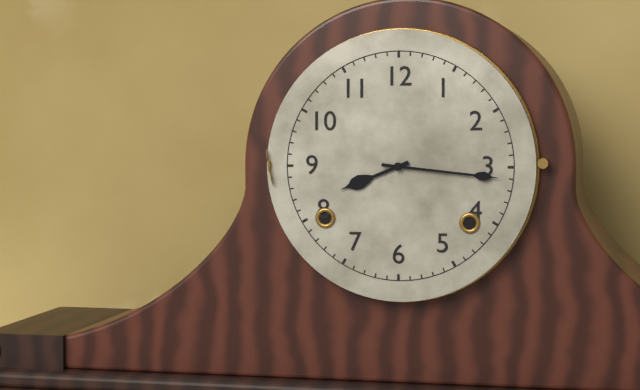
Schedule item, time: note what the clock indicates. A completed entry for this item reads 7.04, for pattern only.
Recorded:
8.16
